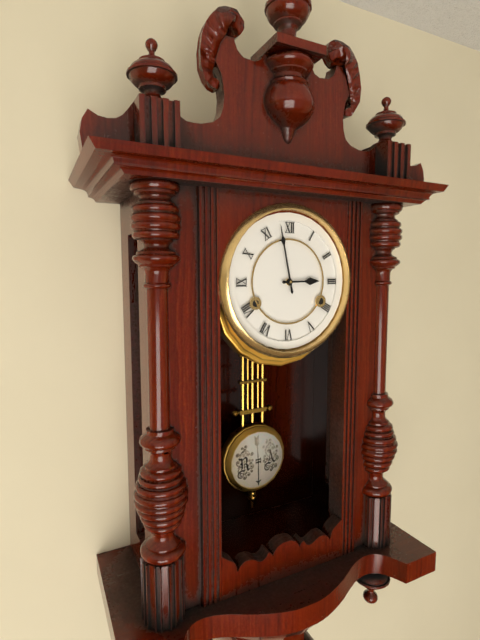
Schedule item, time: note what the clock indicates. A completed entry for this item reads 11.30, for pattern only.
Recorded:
2.58
